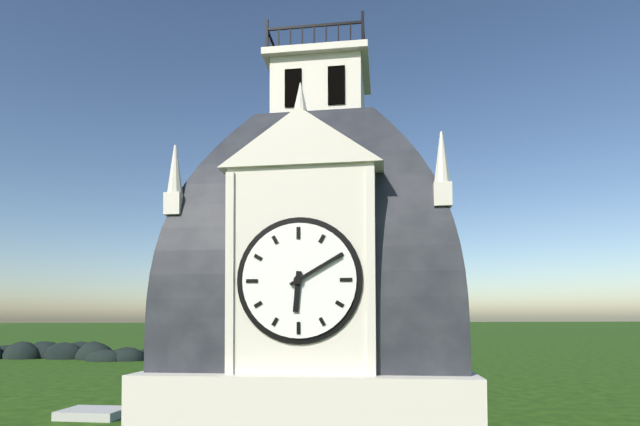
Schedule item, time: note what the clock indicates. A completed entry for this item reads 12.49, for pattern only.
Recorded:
6.10
